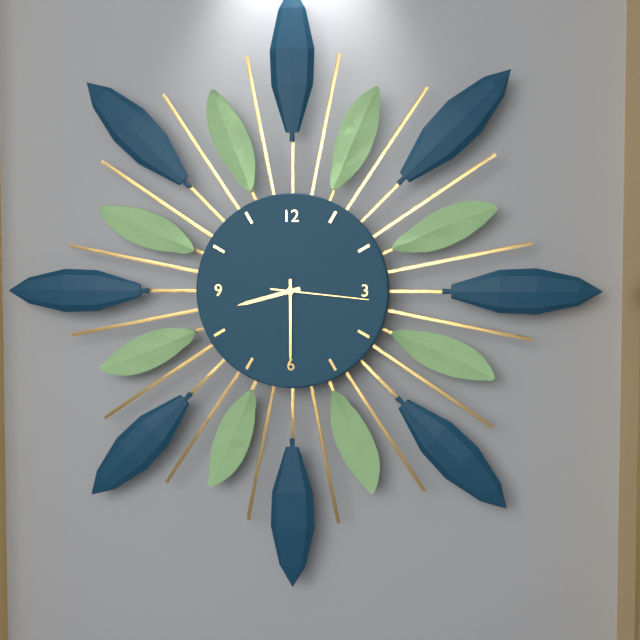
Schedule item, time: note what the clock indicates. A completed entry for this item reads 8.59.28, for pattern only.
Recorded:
8.30.16
